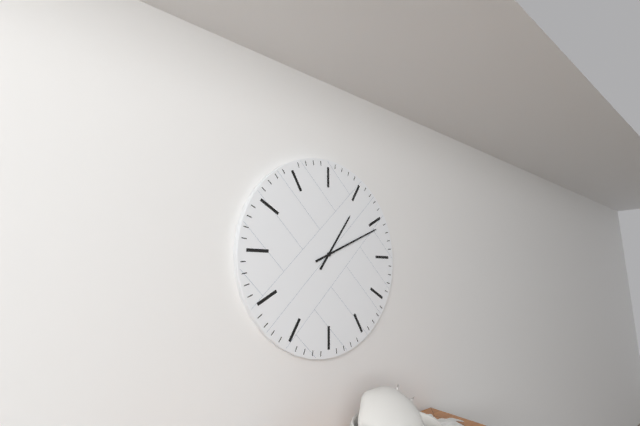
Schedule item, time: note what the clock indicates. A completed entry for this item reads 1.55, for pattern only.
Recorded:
1.11
